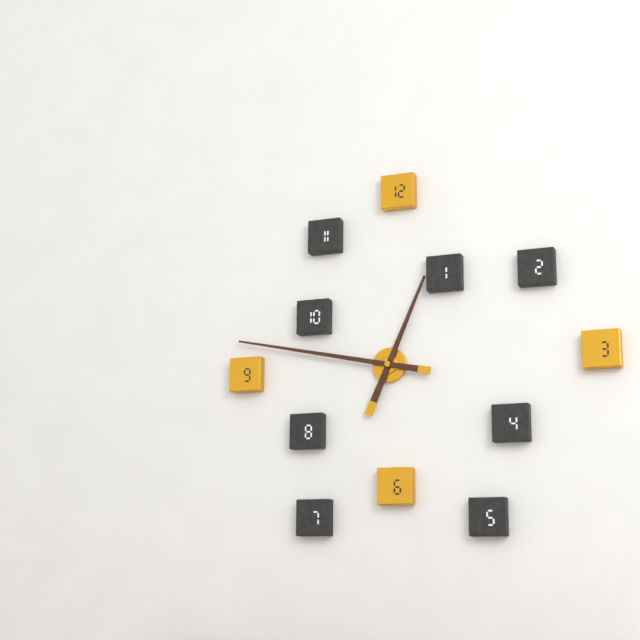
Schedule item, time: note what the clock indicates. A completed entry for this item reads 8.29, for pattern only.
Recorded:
12.47
